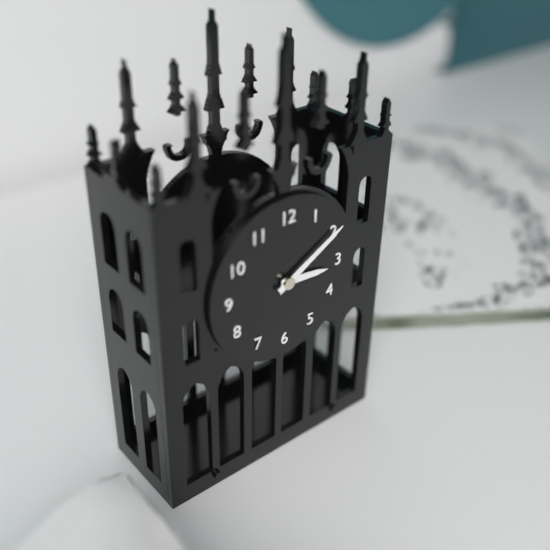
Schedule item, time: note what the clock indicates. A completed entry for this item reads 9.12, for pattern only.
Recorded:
3.10
